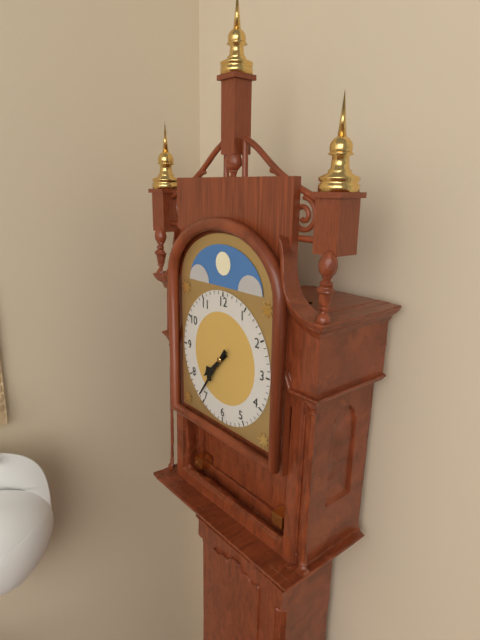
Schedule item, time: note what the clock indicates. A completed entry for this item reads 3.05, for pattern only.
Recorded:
7.36
